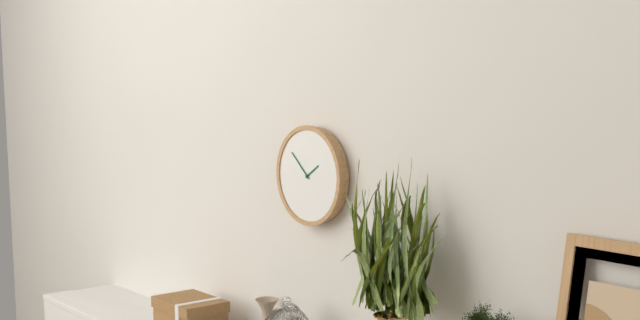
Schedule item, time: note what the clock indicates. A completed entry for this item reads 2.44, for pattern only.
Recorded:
1.52
